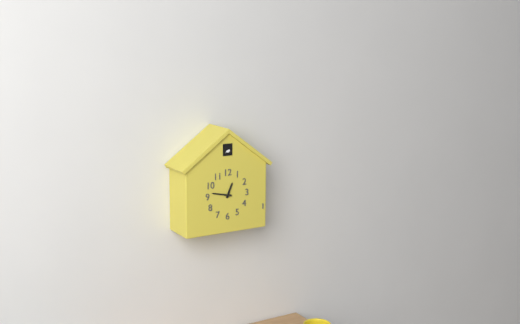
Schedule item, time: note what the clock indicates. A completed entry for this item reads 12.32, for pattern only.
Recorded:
12.47
